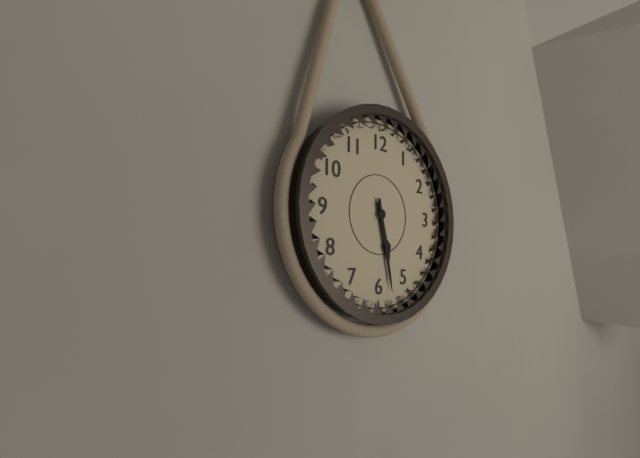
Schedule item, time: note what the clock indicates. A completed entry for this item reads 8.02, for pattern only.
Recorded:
5.28
